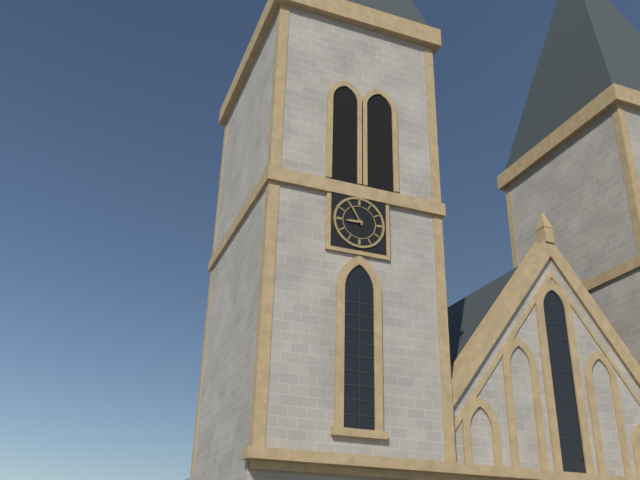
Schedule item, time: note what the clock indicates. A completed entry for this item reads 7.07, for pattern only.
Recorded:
8.55
